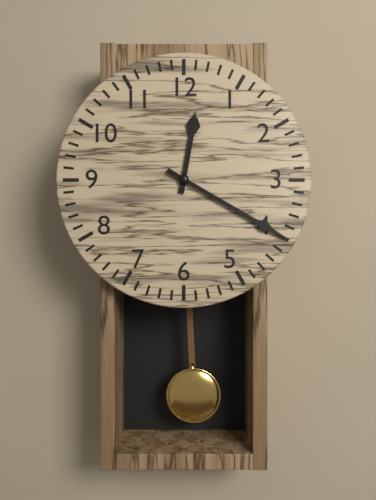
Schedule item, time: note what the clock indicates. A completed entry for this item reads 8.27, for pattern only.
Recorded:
12.20
